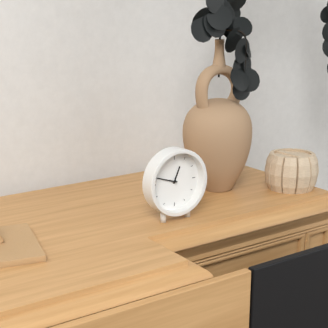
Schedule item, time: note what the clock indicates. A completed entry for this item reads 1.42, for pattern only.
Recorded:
12.48
